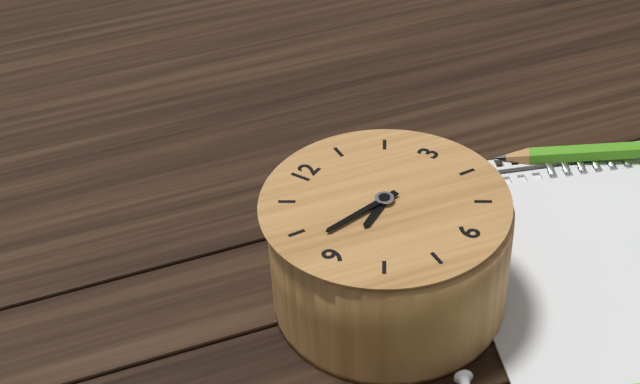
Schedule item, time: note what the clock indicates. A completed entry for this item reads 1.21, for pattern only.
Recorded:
8.48
